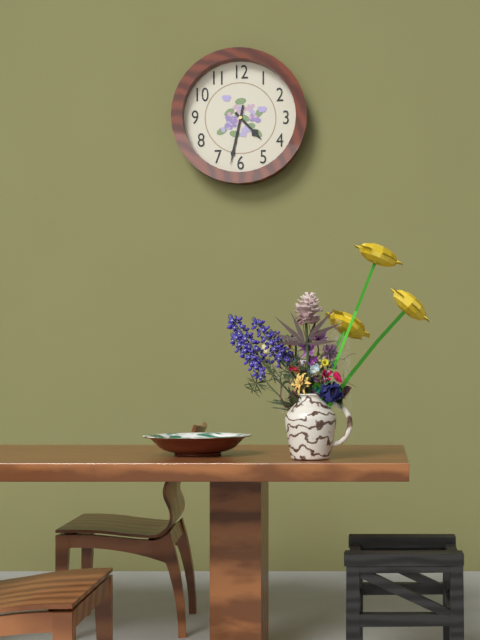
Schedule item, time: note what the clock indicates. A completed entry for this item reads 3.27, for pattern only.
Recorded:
4.32
